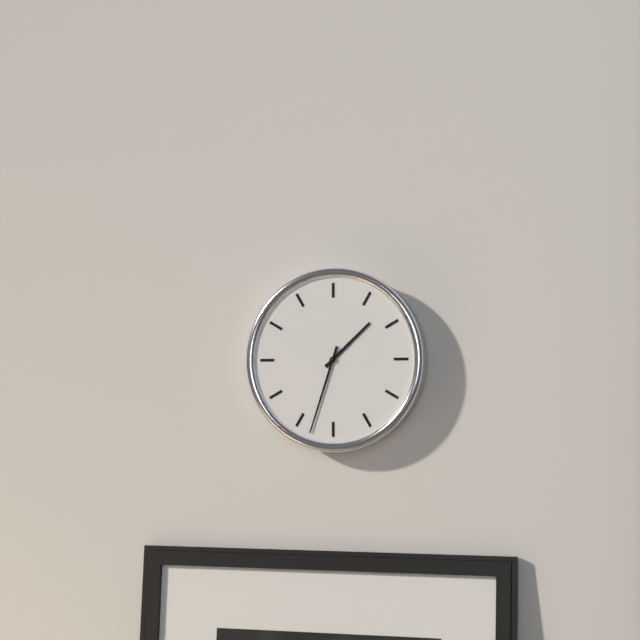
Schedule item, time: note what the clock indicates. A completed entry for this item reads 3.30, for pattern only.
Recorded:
1.33
